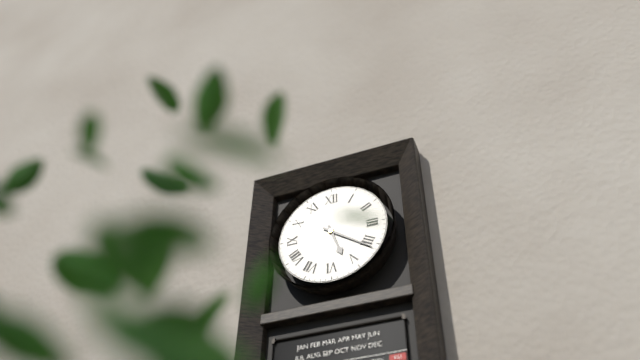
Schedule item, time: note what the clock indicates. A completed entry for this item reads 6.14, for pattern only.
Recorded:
5.21
